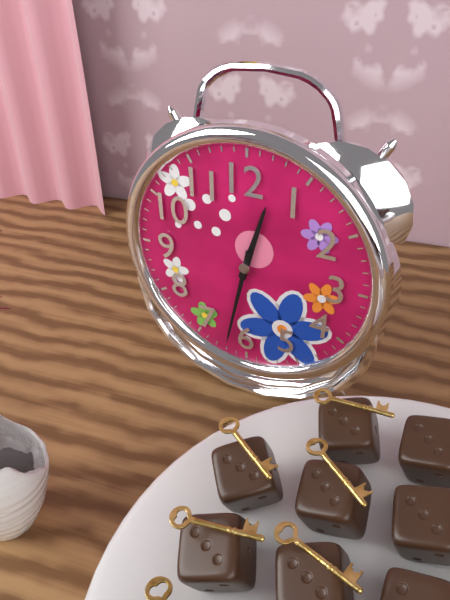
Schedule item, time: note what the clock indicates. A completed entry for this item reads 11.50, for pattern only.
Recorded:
12.32
